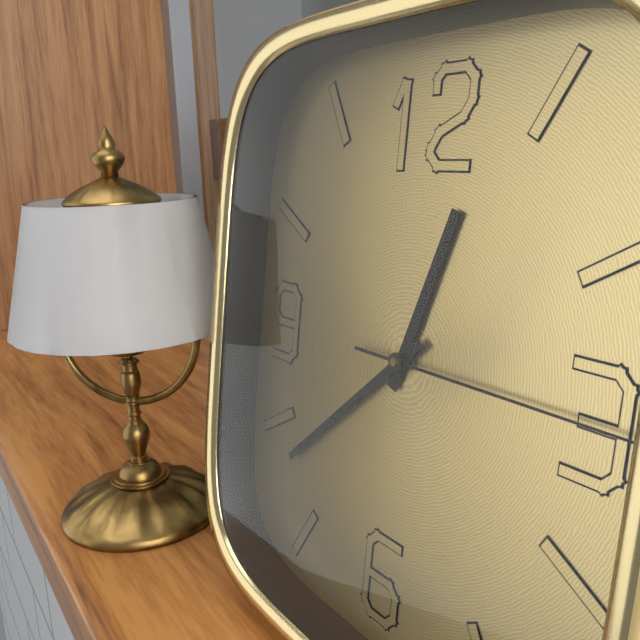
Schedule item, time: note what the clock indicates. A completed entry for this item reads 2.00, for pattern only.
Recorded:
12.38
